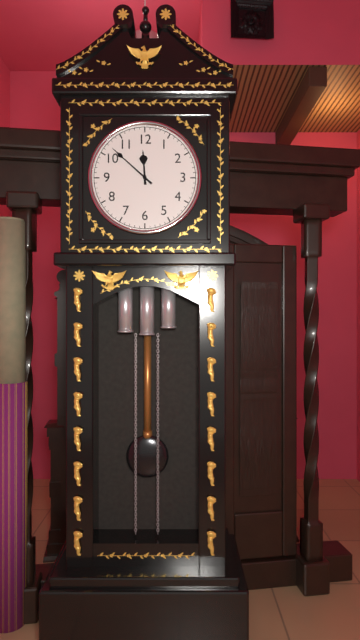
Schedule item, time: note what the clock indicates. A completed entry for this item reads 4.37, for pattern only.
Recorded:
11.52
